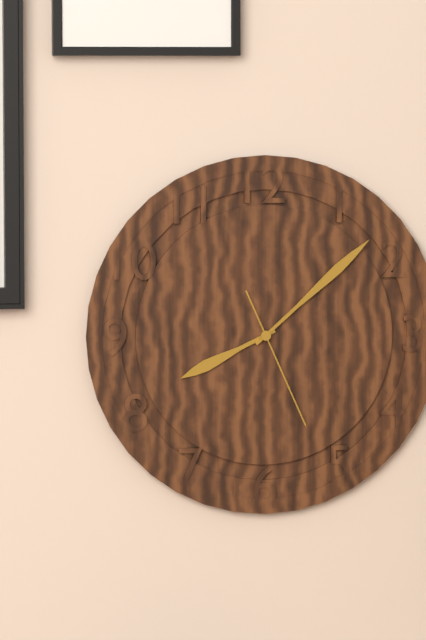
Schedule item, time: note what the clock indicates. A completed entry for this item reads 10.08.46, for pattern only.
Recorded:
8.08.26
